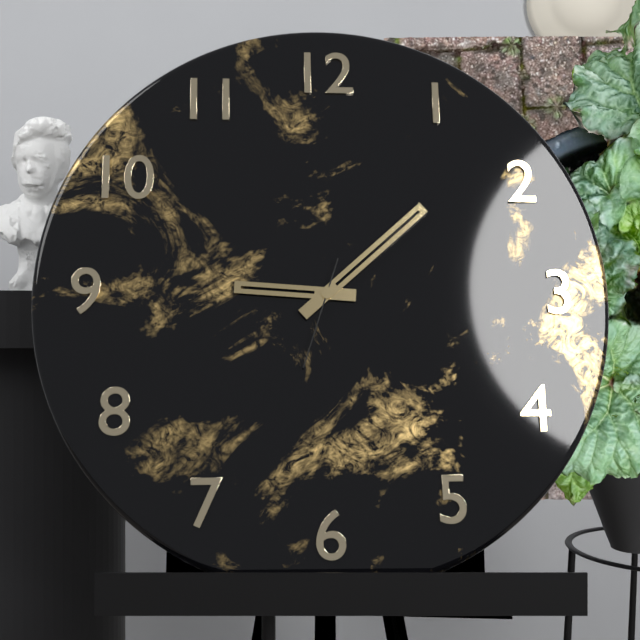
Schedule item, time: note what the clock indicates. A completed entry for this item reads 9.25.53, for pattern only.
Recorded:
9.08.33
